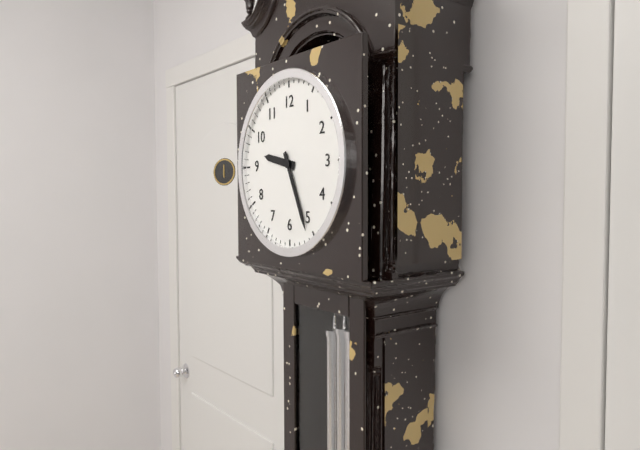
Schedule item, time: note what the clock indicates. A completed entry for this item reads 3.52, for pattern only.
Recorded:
9.26
